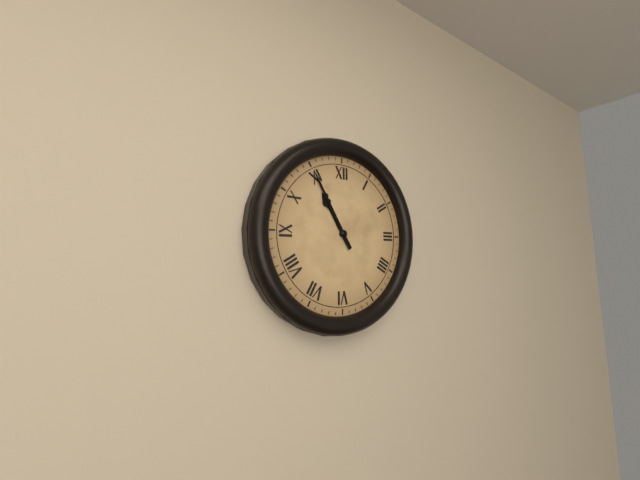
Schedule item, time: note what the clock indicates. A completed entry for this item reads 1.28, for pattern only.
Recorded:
10.55
